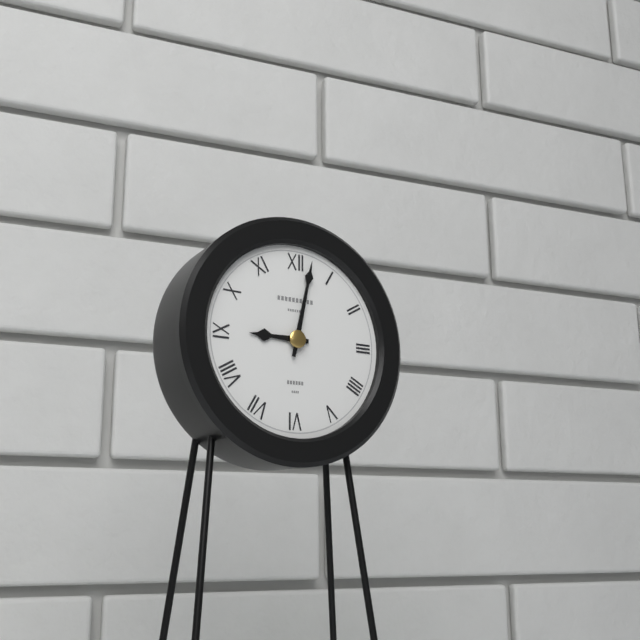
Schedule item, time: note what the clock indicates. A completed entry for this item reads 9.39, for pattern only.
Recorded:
9.02
